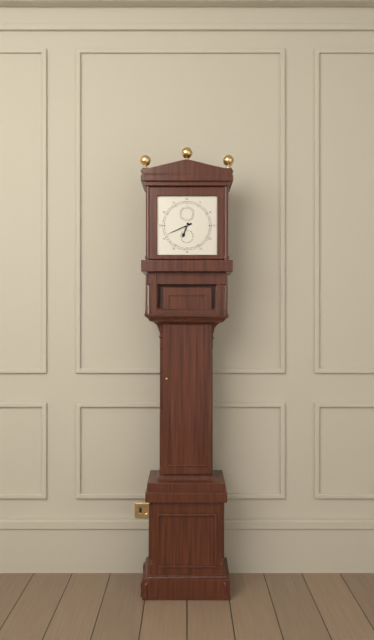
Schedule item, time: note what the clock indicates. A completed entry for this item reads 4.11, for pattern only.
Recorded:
6.41
